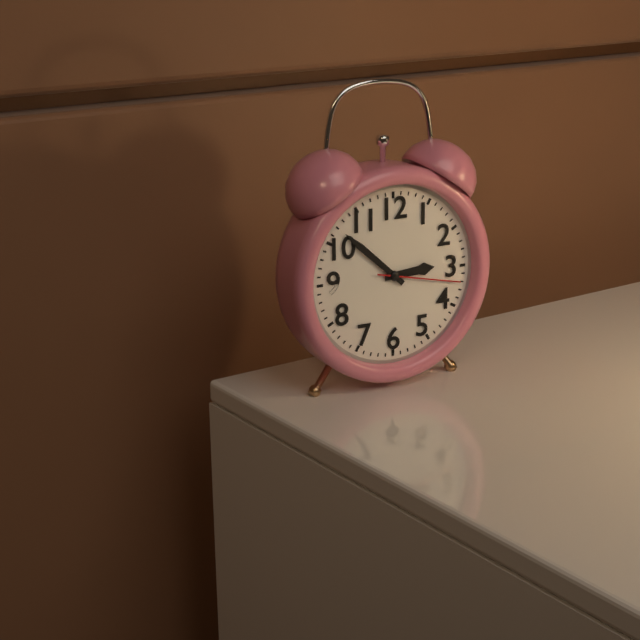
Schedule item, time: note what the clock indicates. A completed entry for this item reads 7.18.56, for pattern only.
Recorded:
2.52.17
